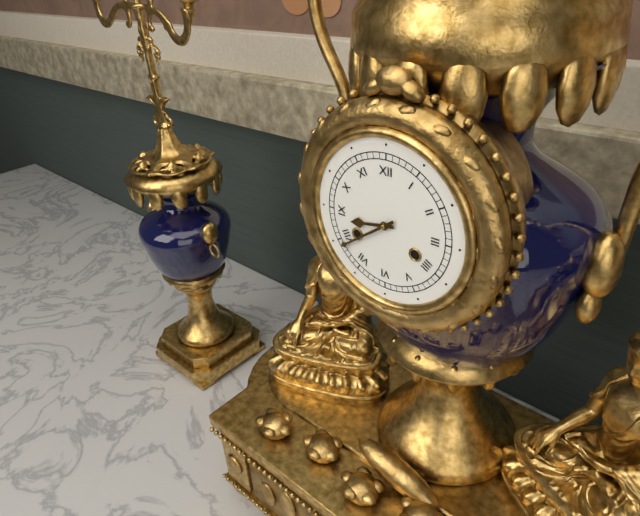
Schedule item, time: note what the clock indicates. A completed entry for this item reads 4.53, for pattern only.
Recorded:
8.39
